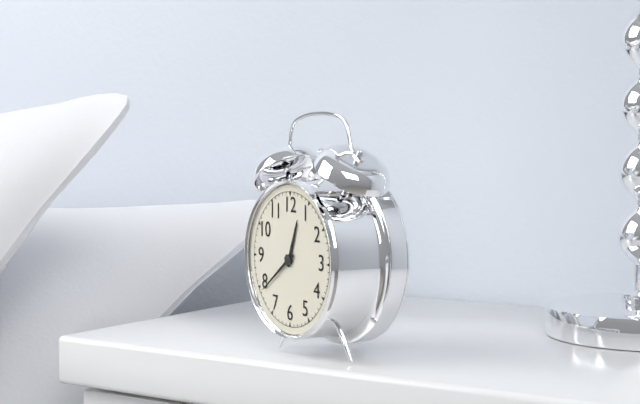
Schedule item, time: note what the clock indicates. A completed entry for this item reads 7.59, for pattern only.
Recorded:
12.39
